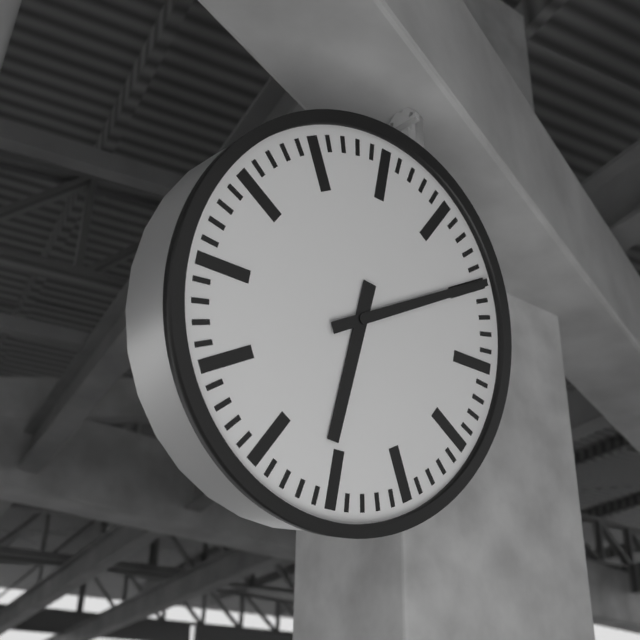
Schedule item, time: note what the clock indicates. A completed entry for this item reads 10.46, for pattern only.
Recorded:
6.10
